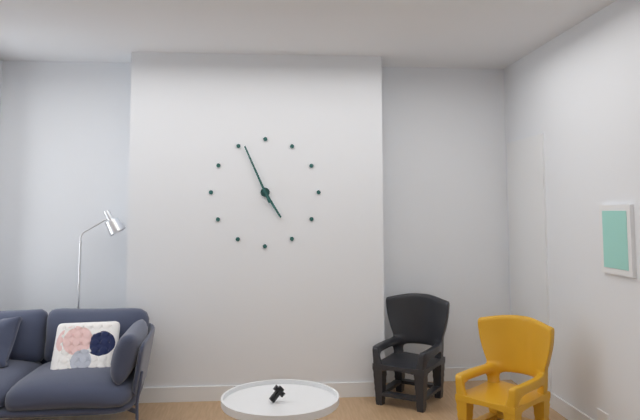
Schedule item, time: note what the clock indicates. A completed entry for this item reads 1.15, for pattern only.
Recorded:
4.56
